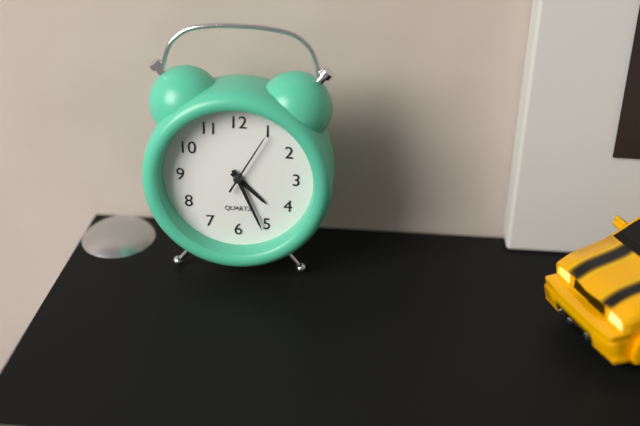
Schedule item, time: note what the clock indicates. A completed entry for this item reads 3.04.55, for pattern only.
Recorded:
4.26.05
